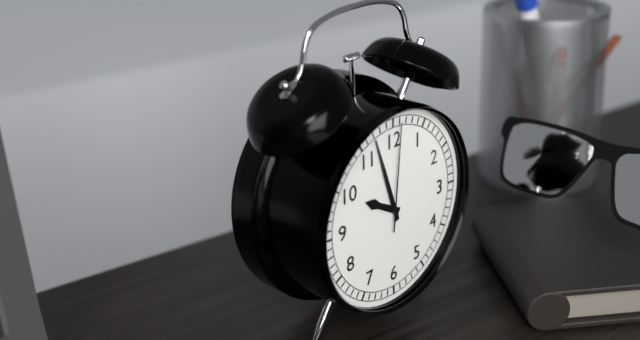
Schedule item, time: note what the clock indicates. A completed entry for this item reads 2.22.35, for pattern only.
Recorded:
9.57.01
